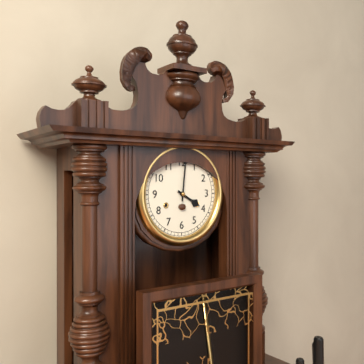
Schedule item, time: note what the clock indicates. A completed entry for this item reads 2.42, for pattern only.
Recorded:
4.01
